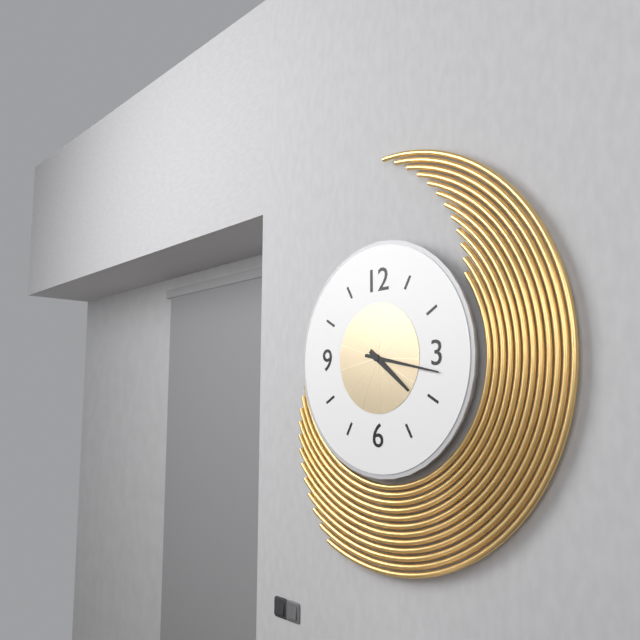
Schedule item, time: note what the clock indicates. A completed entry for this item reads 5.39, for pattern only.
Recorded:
4.17
